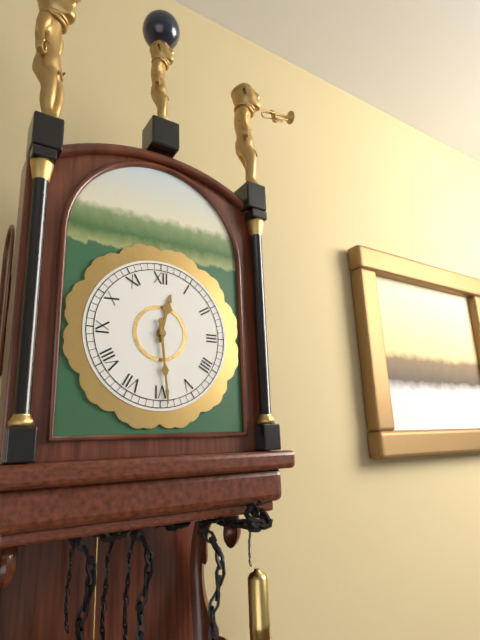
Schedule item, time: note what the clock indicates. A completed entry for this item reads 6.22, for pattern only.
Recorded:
12.29
